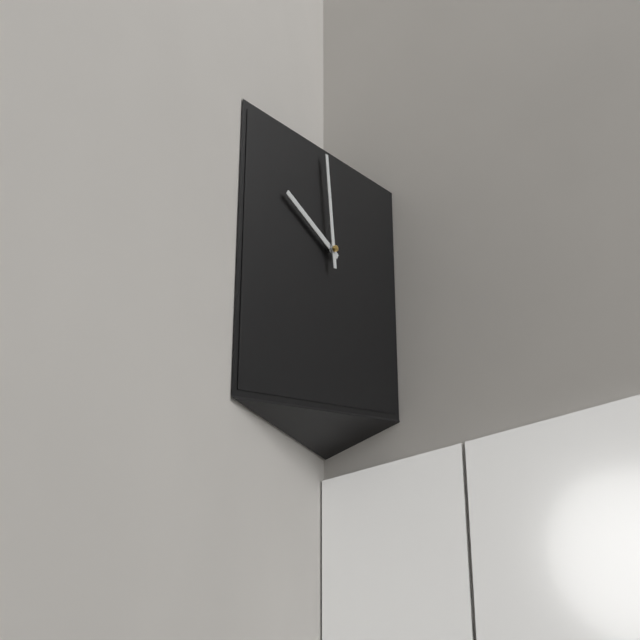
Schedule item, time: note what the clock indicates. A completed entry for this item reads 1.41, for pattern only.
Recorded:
9.59
